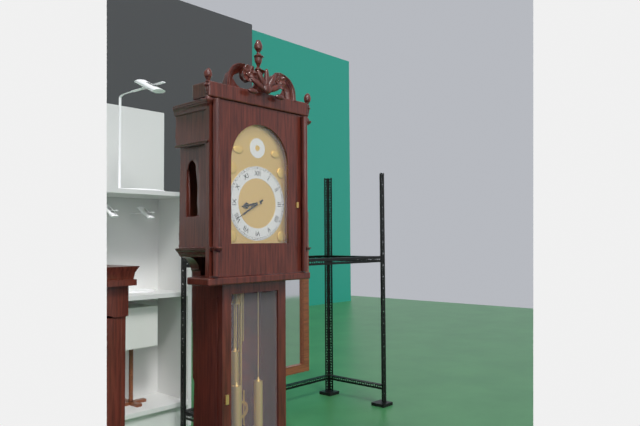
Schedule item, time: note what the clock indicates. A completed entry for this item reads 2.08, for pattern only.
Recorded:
8.40
